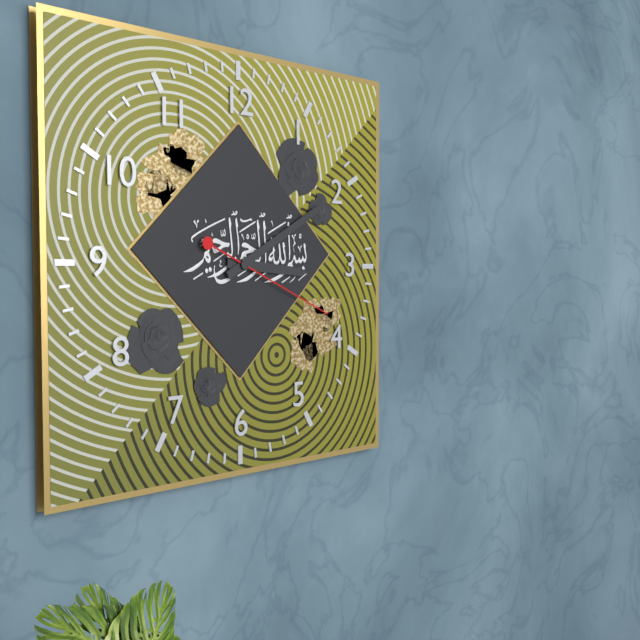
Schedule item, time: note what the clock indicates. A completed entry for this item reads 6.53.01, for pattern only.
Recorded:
3.10.19
